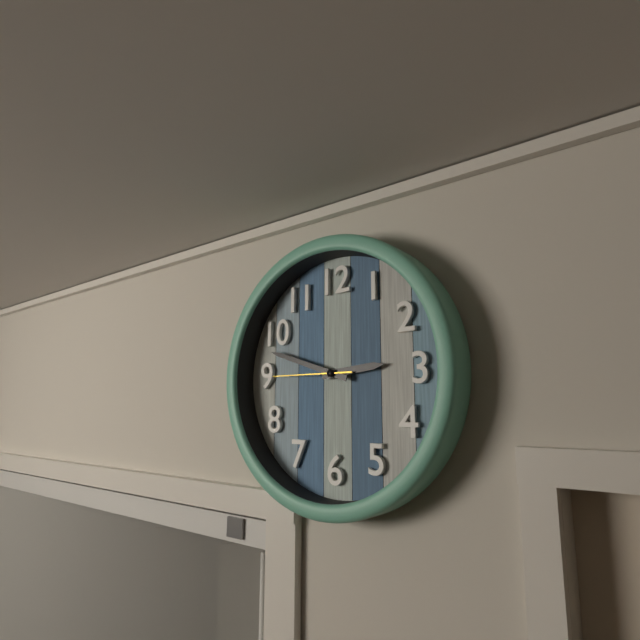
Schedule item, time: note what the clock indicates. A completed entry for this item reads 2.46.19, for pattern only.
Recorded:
2.48.45
